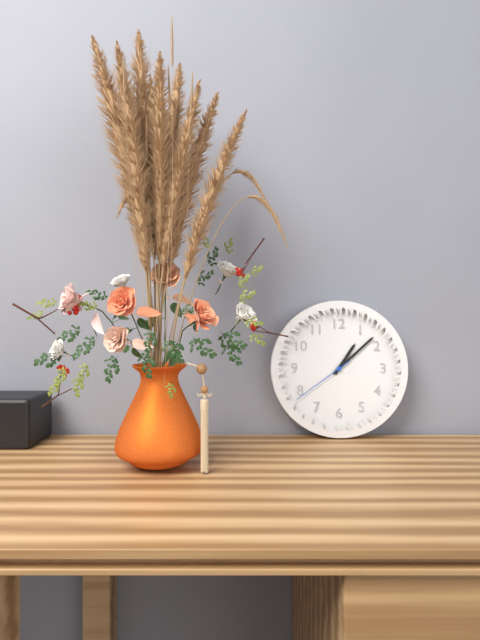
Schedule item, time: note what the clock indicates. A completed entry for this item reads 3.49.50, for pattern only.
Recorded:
1.08.39
